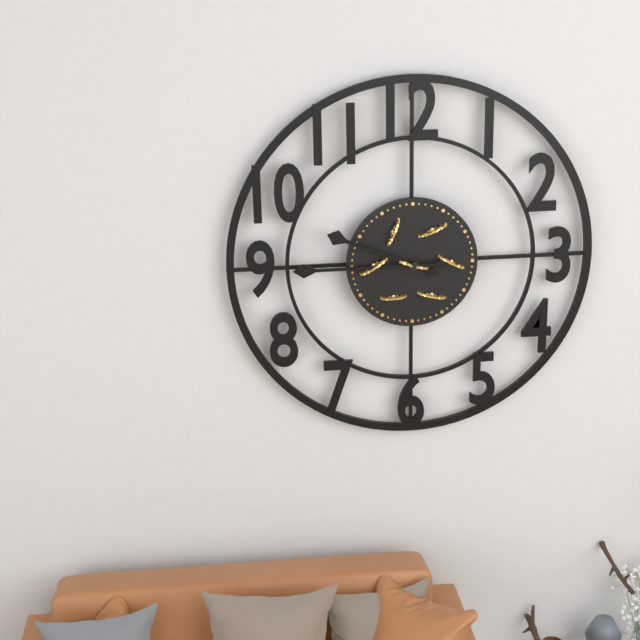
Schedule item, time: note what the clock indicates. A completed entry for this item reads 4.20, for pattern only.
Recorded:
9.45
